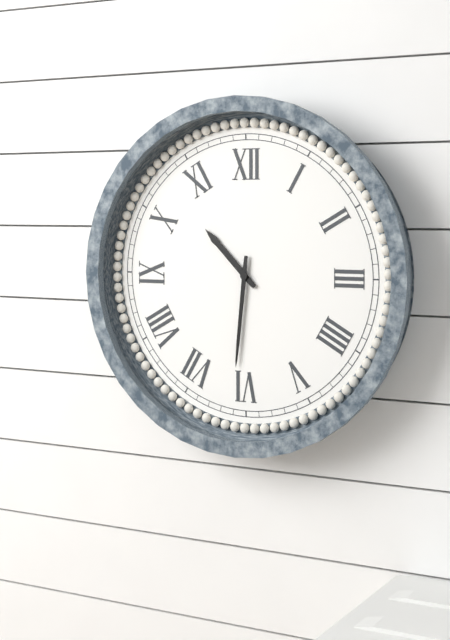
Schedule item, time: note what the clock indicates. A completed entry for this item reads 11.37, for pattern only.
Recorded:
10.31
